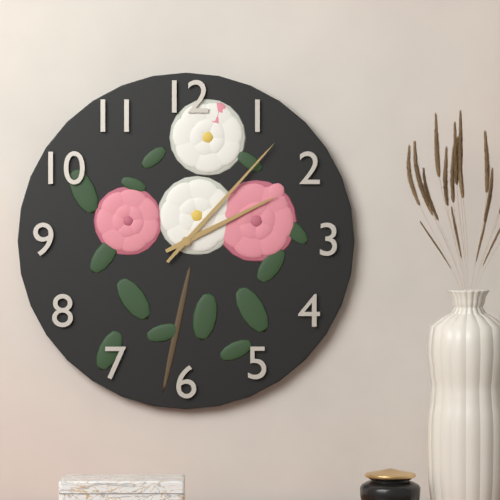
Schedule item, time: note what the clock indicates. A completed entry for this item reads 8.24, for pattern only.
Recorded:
2.07
